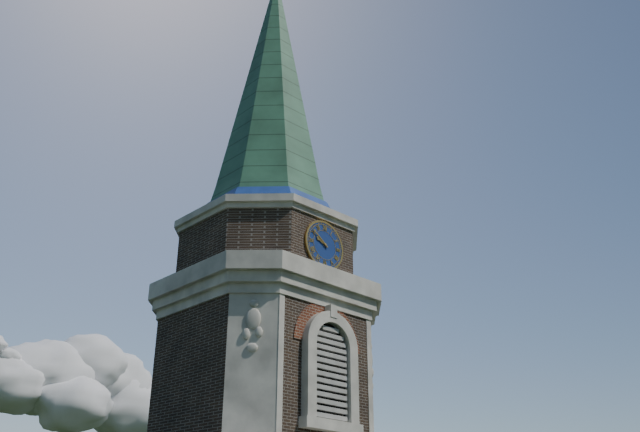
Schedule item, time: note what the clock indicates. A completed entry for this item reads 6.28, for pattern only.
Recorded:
9.51
